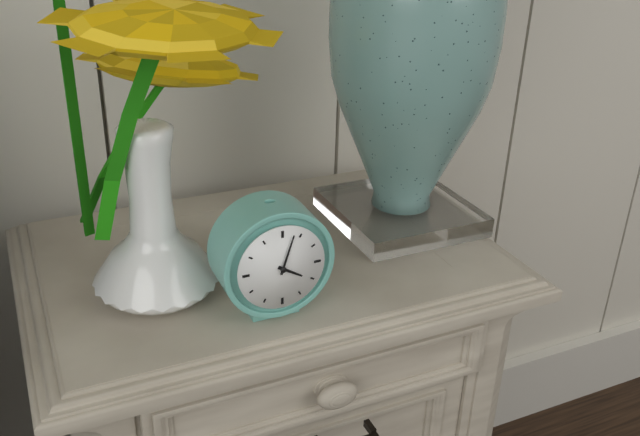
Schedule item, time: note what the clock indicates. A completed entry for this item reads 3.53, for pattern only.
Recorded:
4.03
